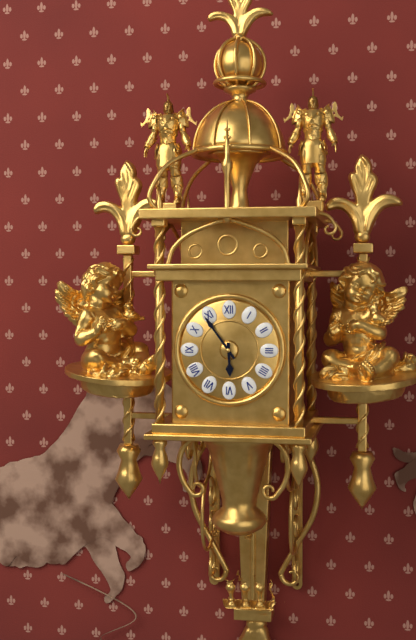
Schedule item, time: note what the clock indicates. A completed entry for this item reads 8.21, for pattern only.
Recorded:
5.54
